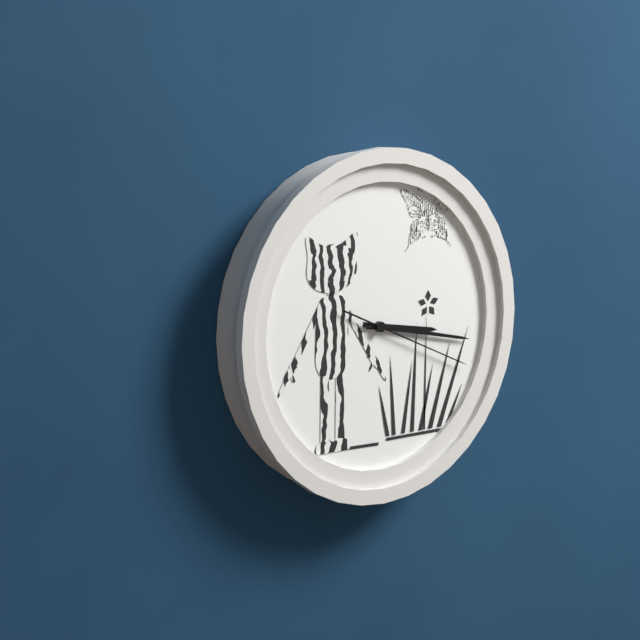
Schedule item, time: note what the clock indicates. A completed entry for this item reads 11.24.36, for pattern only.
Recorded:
3.17.19
